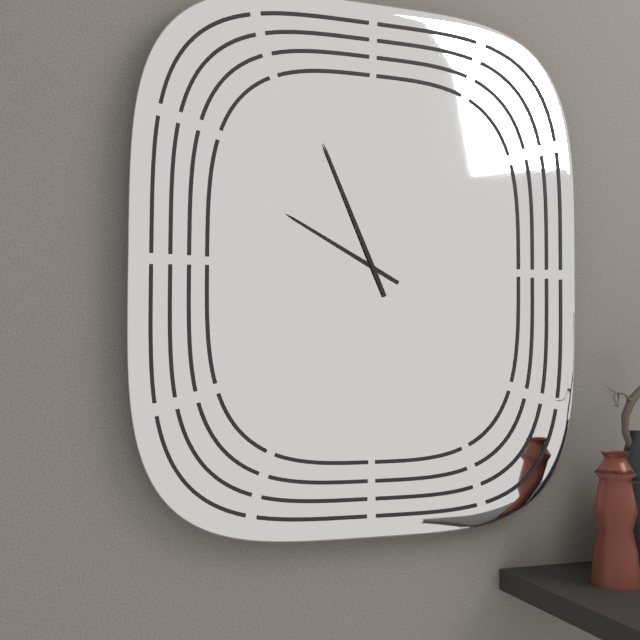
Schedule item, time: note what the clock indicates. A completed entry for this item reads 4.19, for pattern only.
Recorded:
9.56
